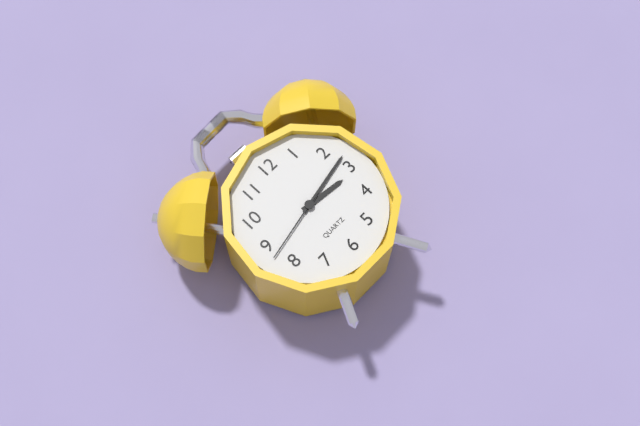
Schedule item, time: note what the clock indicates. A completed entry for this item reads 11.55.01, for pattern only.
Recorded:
3.13.43
